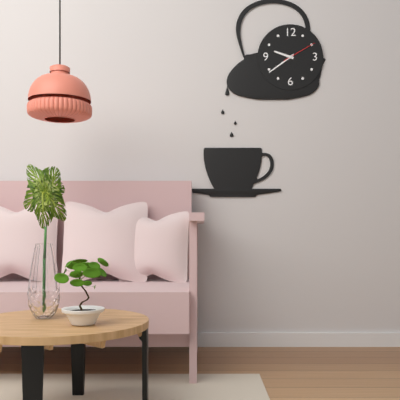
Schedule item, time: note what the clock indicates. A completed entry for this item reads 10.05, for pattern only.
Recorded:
9.39
